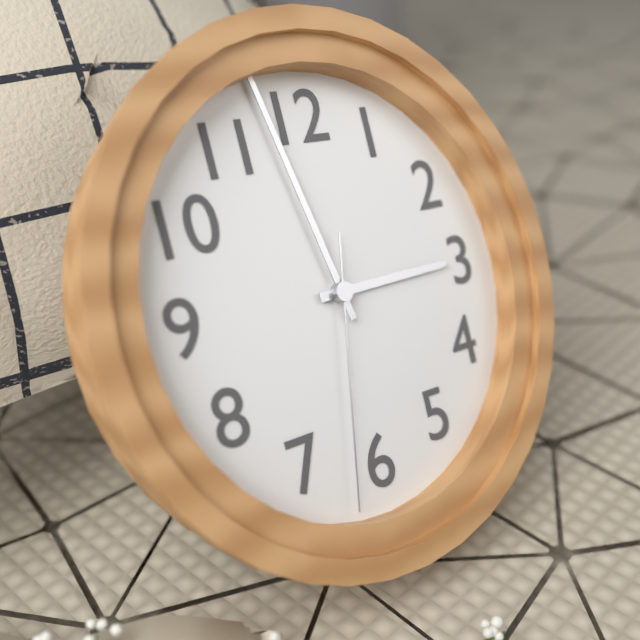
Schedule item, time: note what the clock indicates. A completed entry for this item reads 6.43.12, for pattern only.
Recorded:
2.58.32
